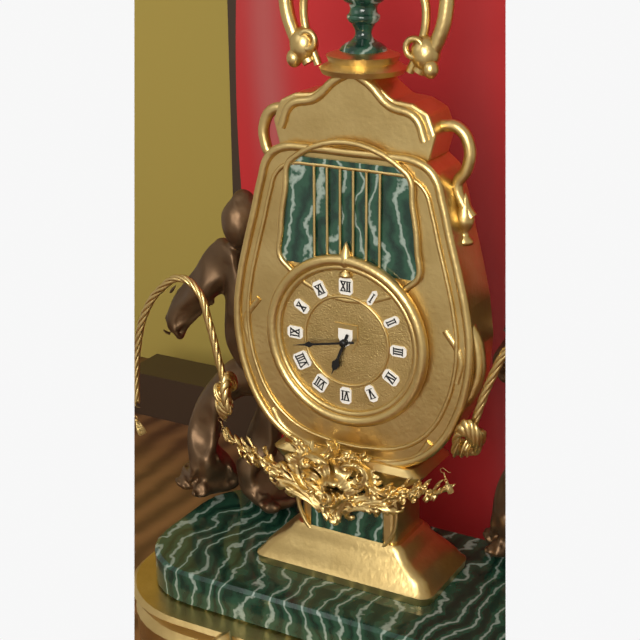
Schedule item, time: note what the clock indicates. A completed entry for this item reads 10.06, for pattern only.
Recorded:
6.43
